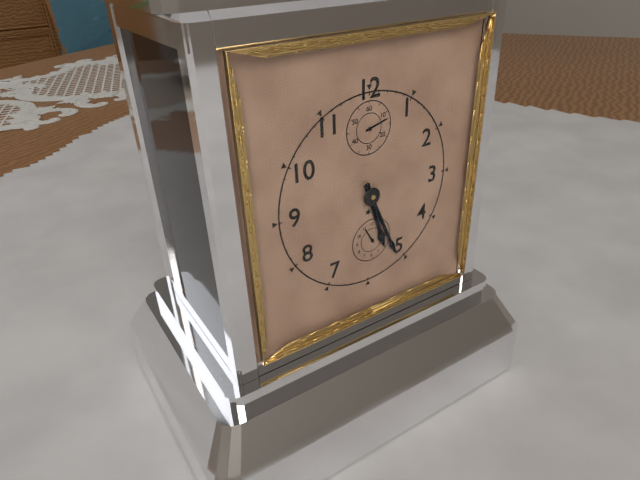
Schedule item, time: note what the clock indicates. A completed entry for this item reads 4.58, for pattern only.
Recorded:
5.26
